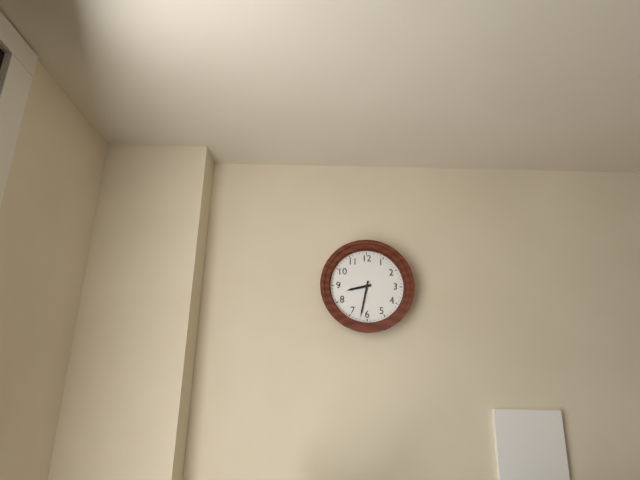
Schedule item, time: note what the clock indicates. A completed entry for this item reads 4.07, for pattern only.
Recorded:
8.32
